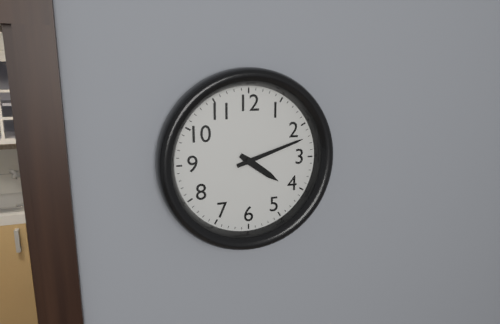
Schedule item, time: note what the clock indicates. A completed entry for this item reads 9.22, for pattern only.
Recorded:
4.12
